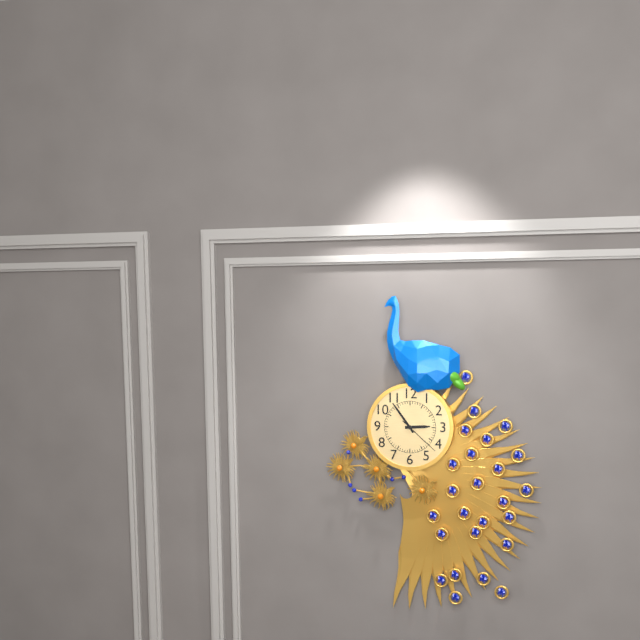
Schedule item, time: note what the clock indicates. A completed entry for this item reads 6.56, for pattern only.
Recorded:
2.54
